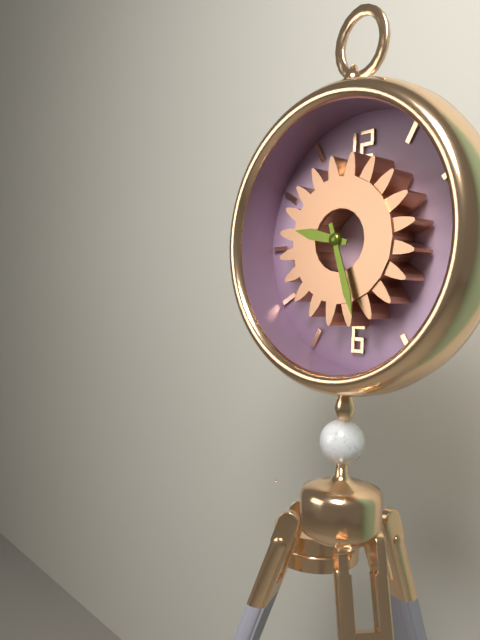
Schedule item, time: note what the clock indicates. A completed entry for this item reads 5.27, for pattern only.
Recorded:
9.27
